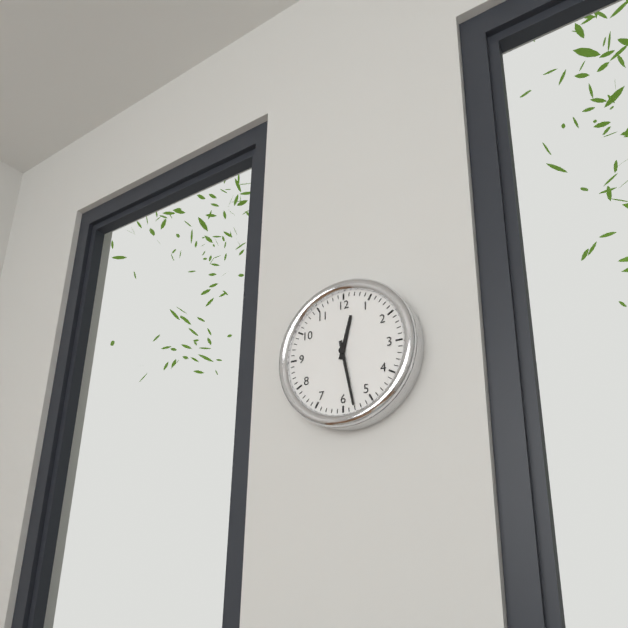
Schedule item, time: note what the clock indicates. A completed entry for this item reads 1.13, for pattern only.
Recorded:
12.28
